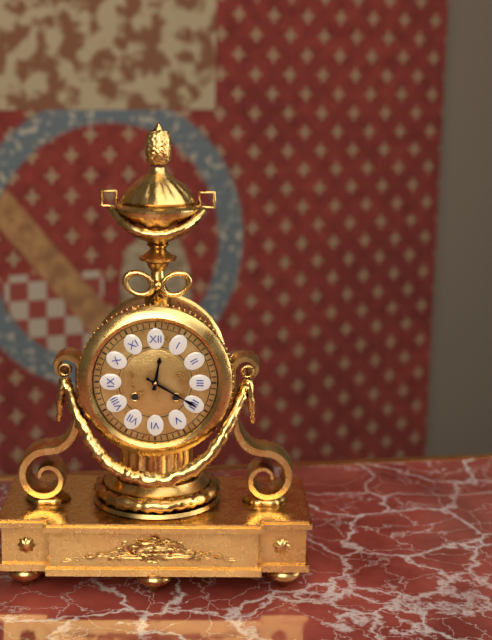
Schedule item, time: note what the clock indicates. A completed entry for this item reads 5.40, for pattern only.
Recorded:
12.20
